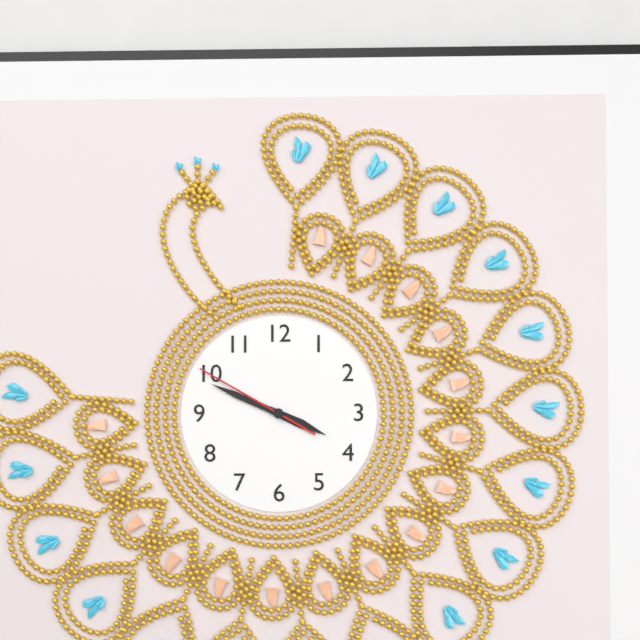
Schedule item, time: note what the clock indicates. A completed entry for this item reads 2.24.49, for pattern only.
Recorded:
3.49.50
